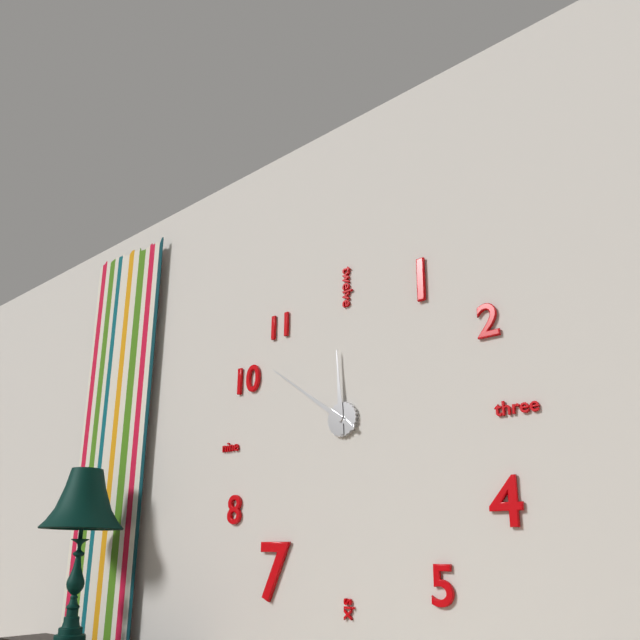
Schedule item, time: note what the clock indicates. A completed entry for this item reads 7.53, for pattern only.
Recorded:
11.51
